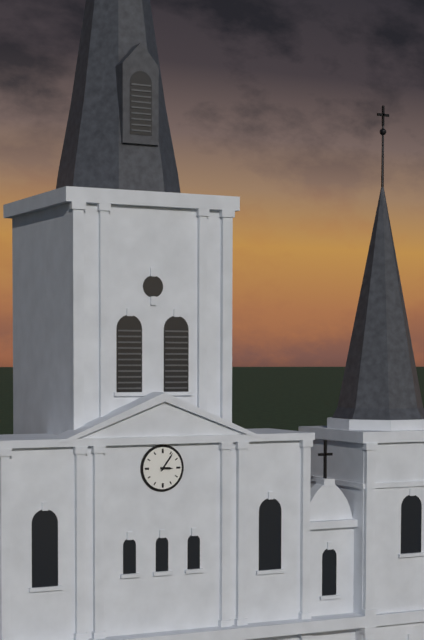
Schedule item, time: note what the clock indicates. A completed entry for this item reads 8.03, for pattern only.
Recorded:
3.06
